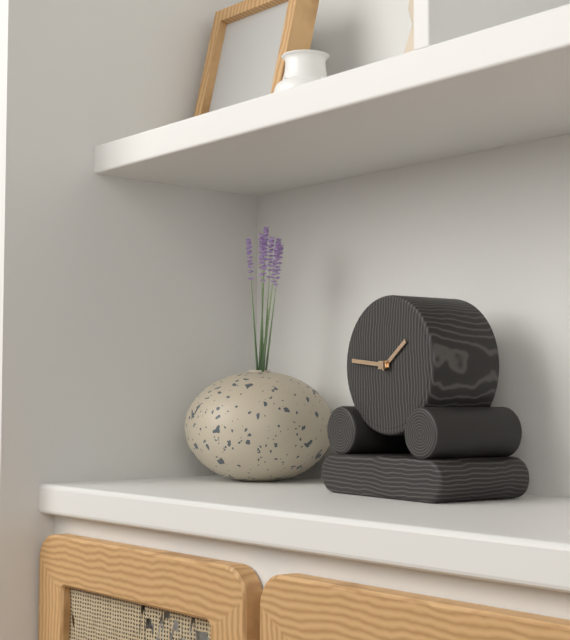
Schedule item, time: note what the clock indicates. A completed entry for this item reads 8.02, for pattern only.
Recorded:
1.46
